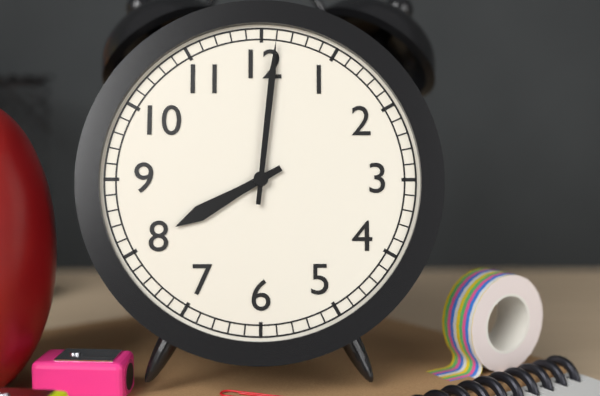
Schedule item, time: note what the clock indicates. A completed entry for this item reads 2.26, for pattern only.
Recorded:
8.01
